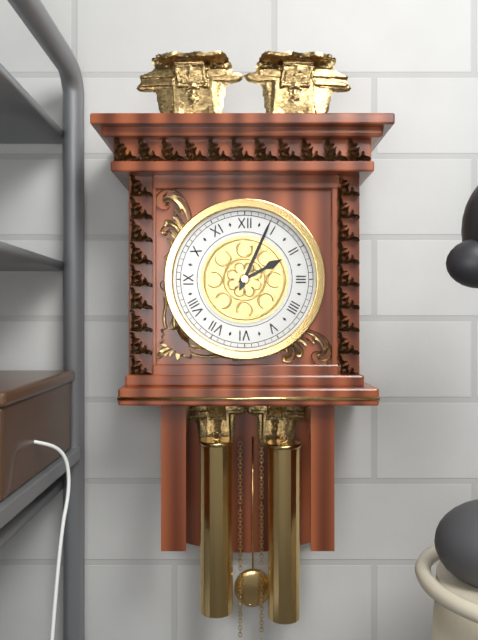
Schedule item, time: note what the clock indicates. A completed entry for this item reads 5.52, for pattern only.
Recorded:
2.04
